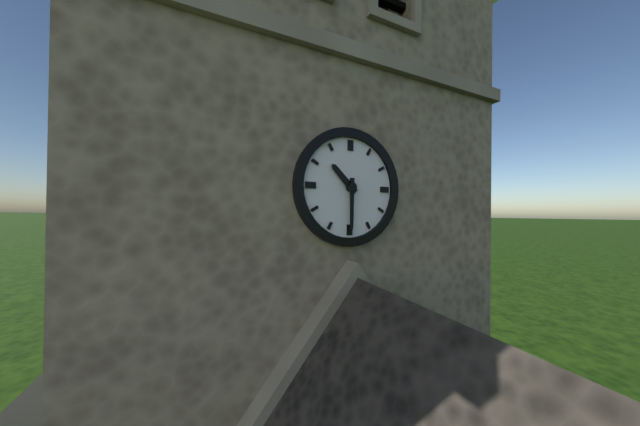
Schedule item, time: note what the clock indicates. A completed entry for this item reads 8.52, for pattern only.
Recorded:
10.30
